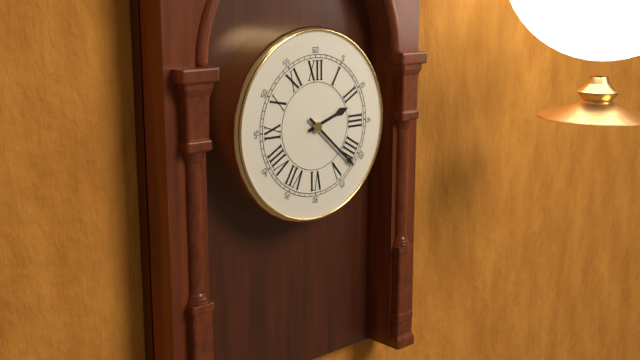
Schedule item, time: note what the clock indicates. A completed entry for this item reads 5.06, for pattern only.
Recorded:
2.22
